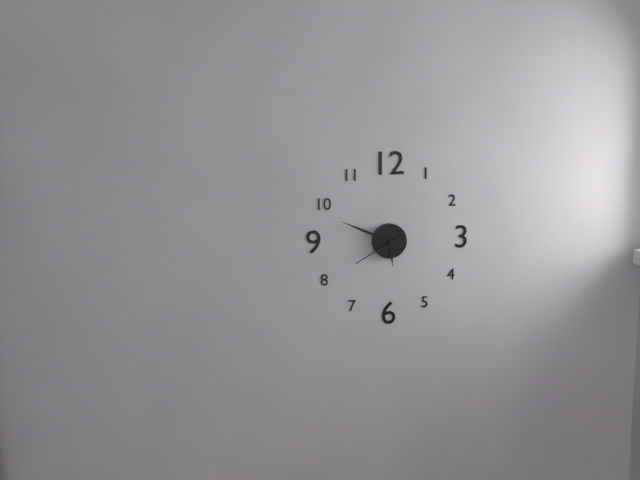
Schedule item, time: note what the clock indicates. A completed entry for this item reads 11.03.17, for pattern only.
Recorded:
5.49.40
